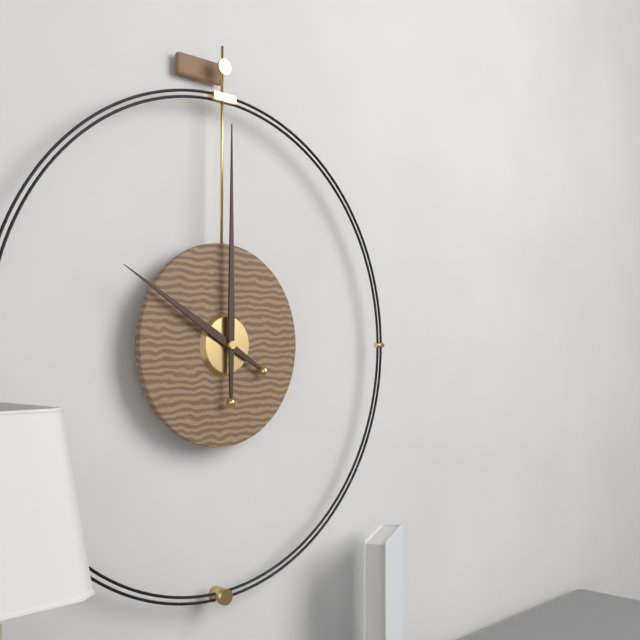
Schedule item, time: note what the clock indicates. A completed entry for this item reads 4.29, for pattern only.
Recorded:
10.00
